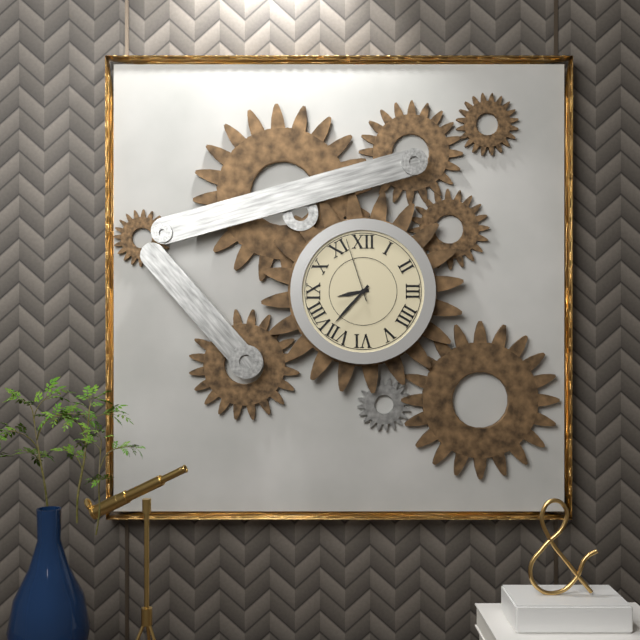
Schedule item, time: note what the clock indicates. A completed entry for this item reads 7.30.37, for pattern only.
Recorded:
8.37.57
